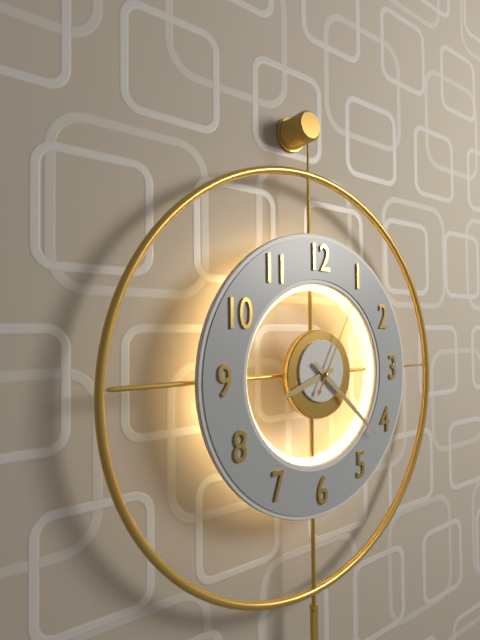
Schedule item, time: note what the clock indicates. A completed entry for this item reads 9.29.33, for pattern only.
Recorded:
8.22.05
